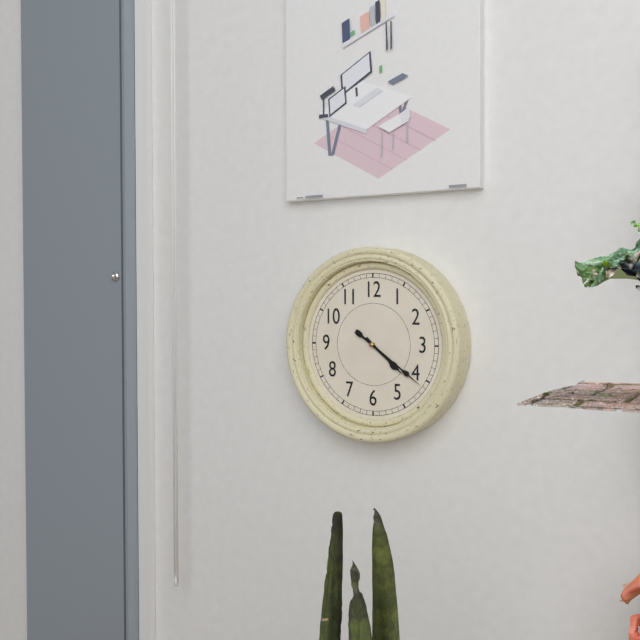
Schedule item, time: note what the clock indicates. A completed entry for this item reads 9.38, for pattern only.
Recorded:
4.21
